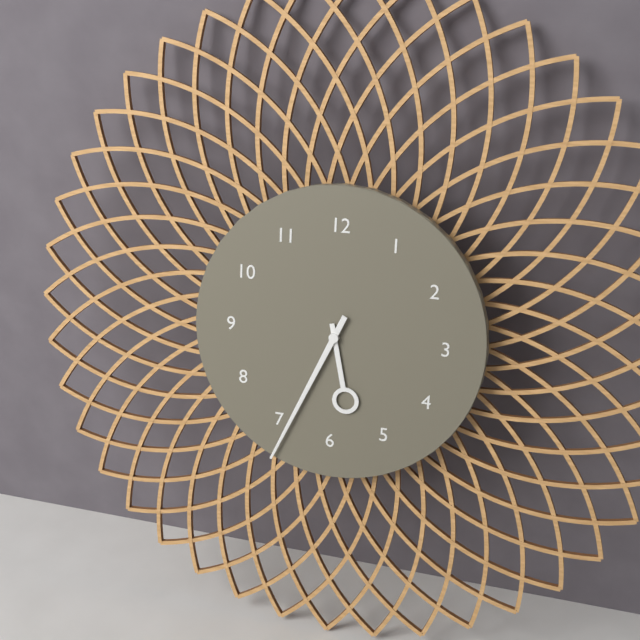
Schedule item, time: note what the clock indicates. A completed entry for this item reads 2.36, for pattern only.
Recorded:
5.34
